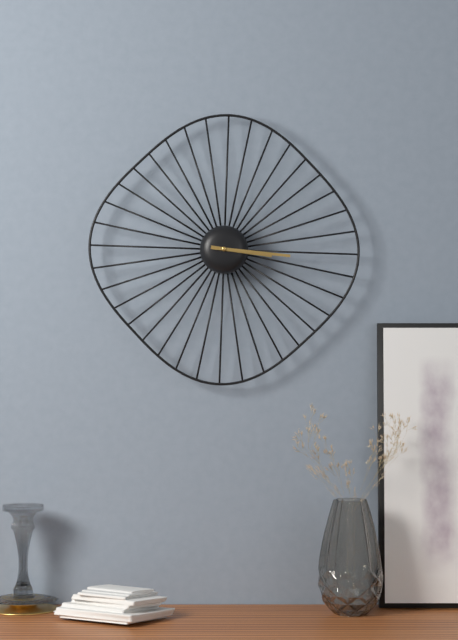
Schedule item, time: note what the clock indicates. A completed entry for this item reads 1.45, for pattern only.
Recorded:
3.16
